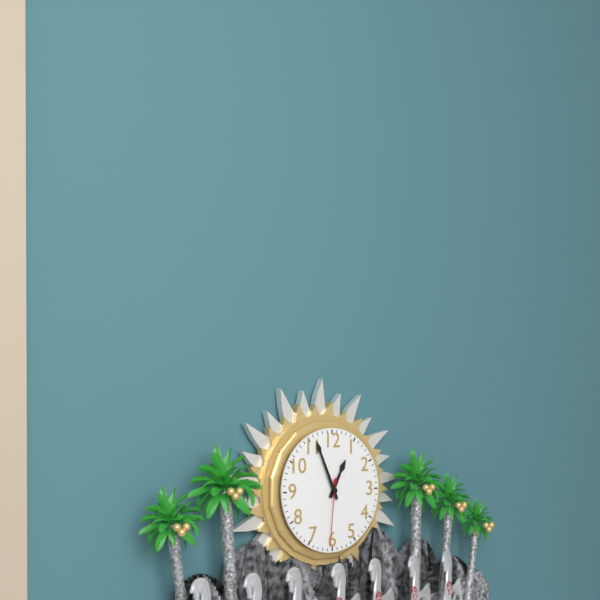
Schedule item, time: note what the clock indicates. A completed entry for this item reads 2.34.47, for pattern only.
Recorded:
12.56.31
